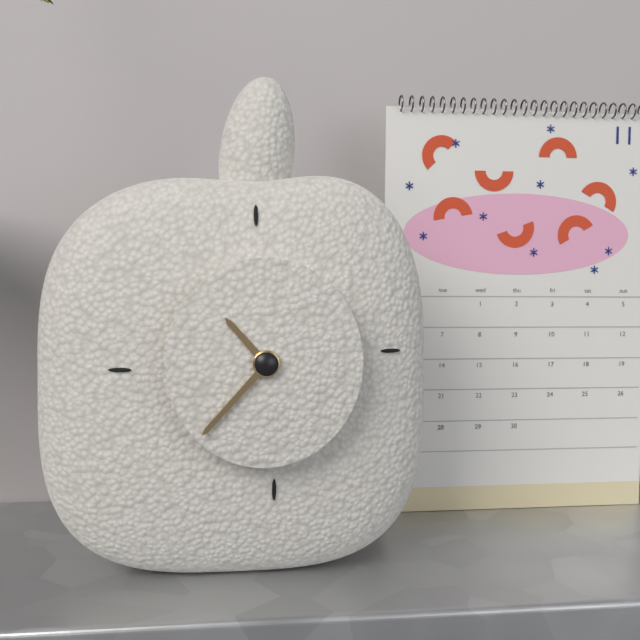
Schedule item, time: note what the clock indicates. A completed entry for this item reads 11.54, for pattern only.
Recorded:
10.37
